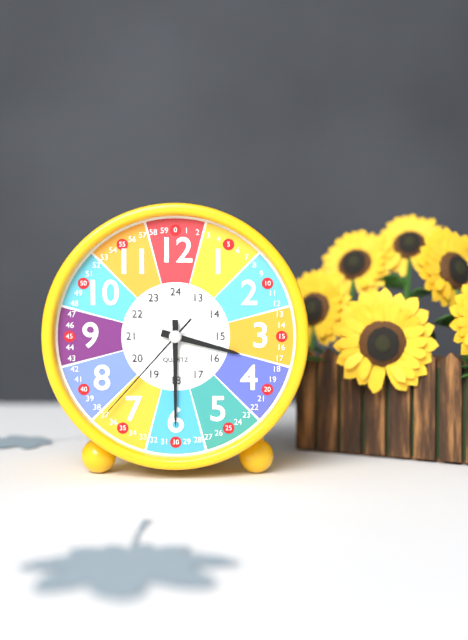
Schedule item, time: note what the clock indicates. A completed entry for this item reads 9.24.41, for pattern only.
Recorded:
3.30.37
